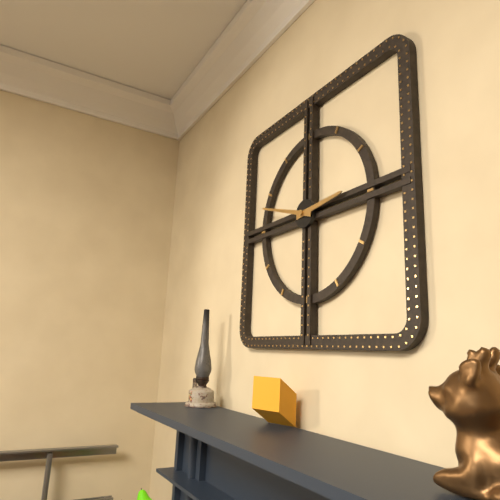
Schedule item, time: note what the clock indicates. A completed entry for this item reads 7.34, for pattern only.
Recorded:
2.48
